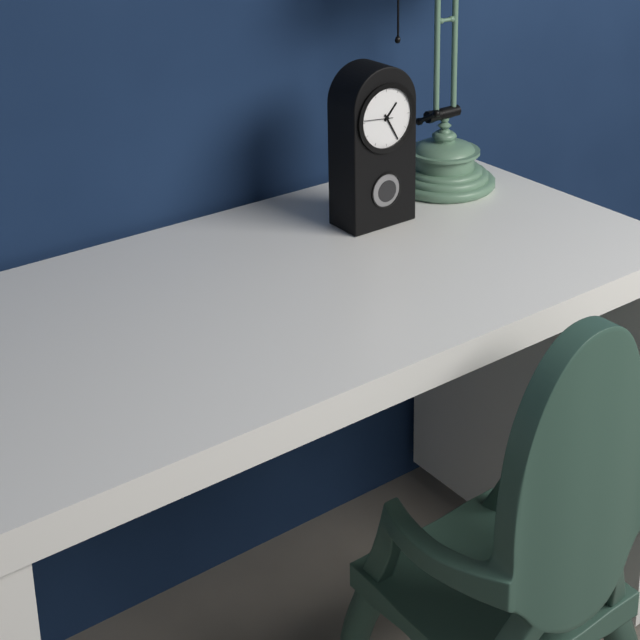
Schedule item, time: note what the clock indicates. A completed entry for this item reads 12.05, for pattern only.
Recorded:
1.25
